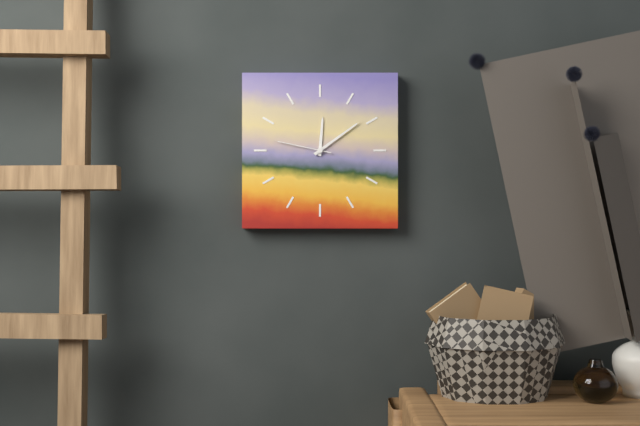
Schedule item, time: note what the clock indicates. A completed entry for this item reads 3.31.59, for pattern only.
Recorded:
12.09.47
